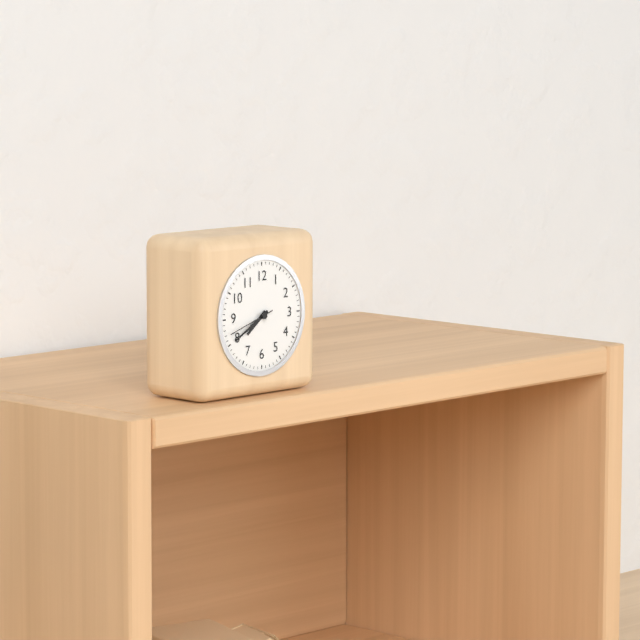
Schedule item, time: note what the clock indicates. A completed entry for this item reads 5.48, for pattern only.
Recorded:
7.40
